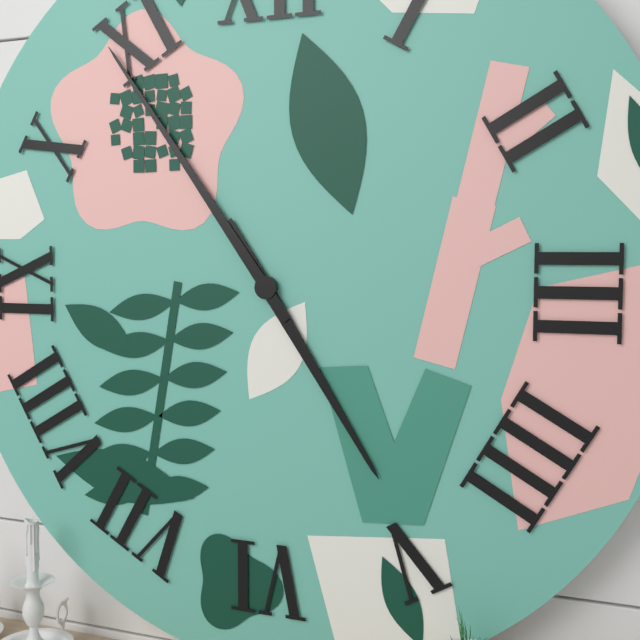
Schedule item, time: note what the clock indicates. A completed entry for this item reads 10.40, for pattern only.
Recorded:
4.54
